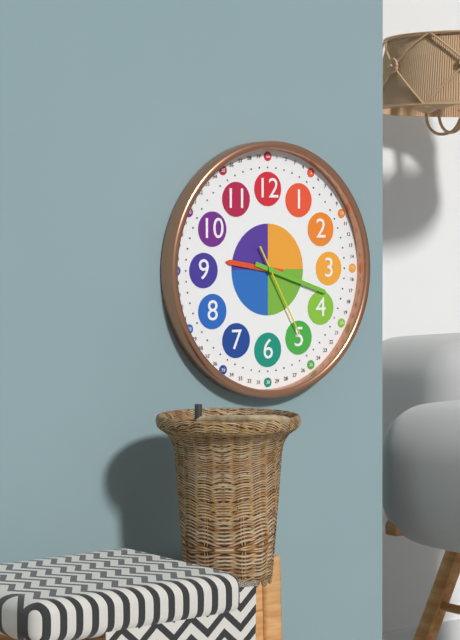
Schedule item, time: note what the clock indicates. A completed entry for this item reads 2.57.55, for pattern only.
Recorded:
9.18.25
